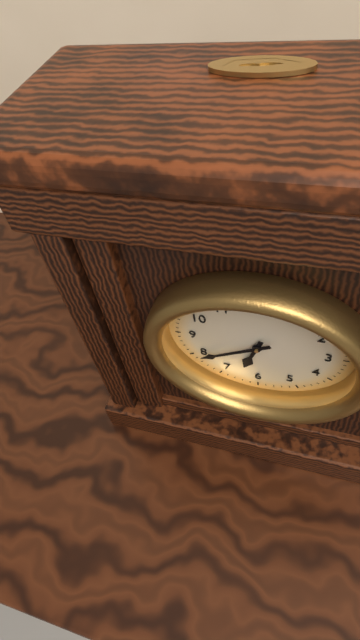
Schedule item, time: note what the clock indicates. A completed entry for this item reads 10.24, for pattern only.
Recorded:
6.40
